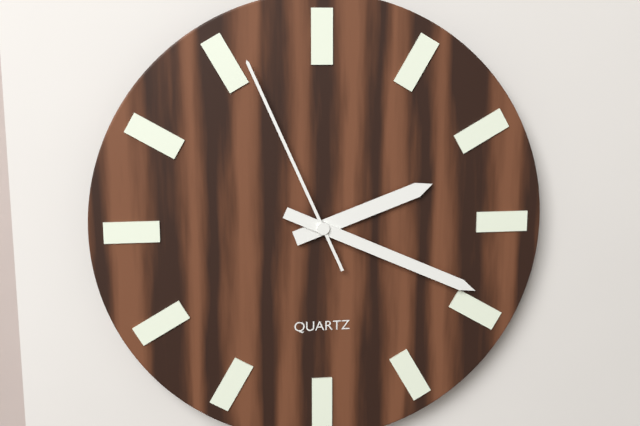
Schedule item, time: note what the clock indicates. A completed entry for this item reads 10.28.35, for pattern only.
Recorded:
2.19.56
